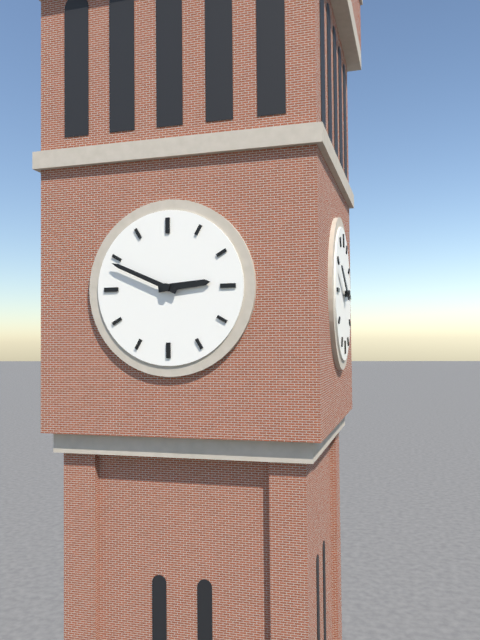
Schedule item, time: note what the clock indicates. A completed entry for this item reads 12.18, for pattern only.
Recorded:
2.49
